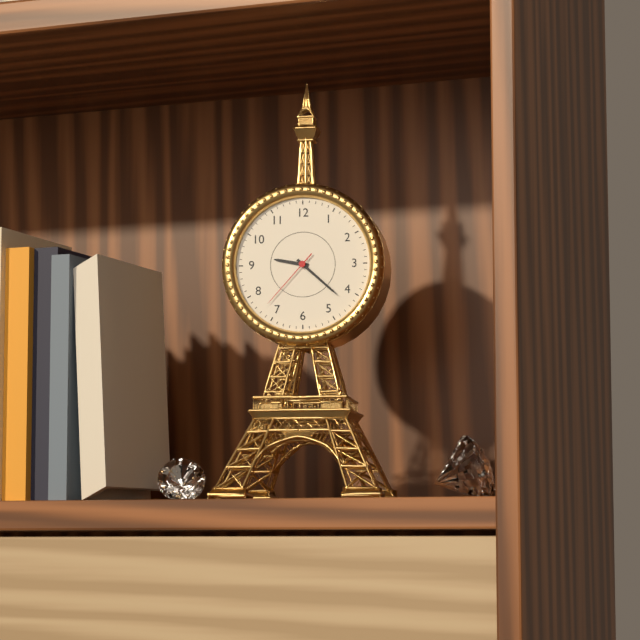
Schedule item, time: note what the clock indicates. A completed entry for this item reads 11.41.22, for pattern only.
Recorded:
9.22.37
